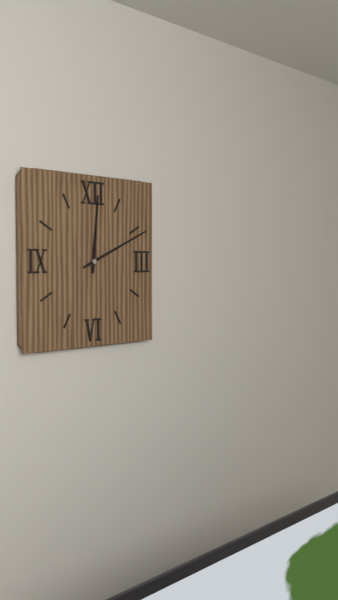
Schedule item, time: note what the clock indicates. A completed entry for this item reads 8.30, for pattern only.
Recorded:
12.11
